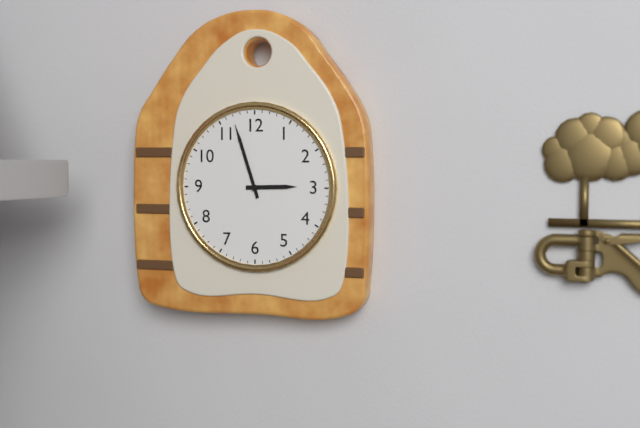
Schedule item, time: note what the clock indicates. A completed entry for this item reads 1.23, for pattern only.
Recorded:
2.57
